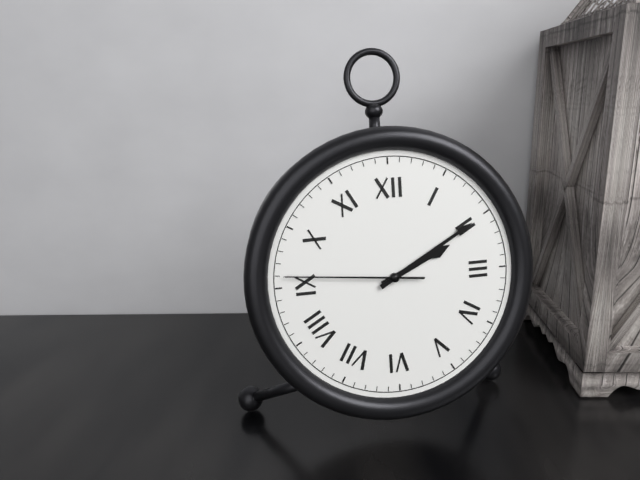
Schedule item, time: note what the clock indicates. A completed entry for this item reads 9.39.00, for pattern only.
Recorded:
2.10.46
